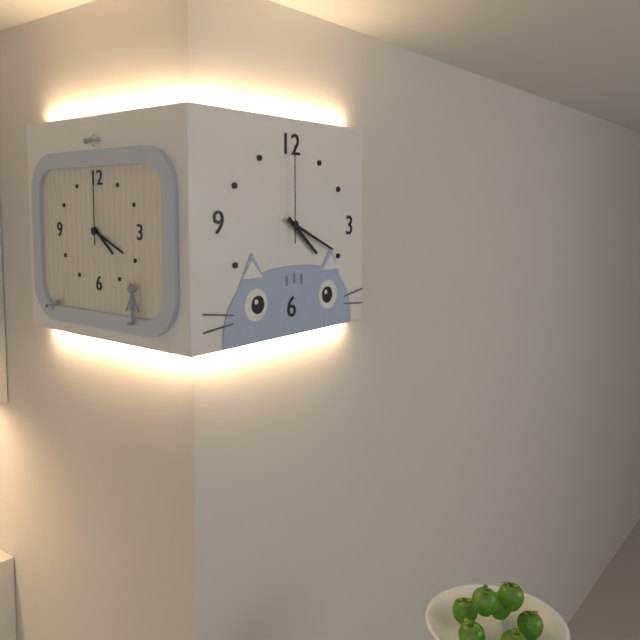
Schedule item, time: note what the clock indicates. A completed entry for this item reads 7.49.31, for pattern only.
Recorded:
4.19.00
